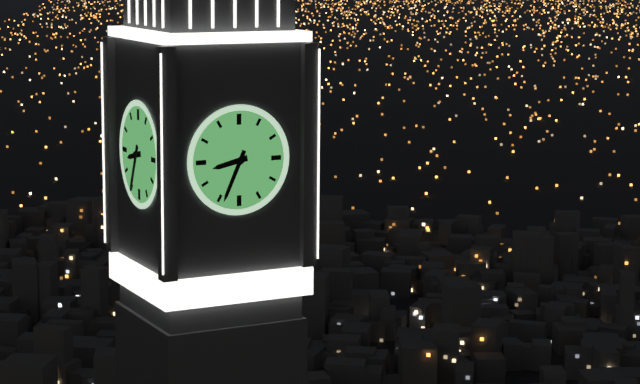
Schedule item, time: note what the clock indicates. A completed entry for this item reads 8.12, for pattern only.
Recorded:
8.34
